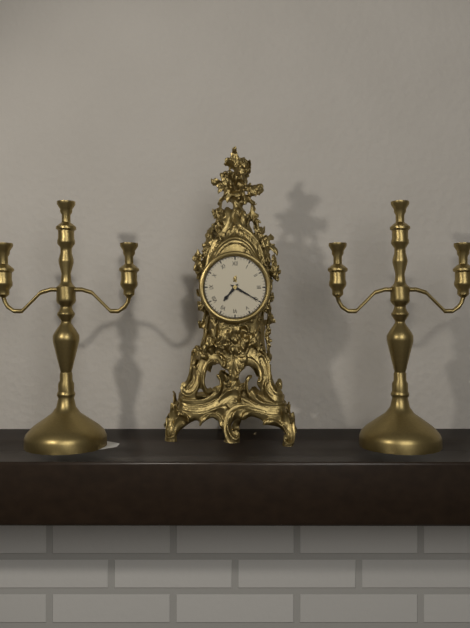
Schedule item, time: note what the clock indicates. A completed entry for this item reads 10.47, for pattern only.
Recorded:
7.20
